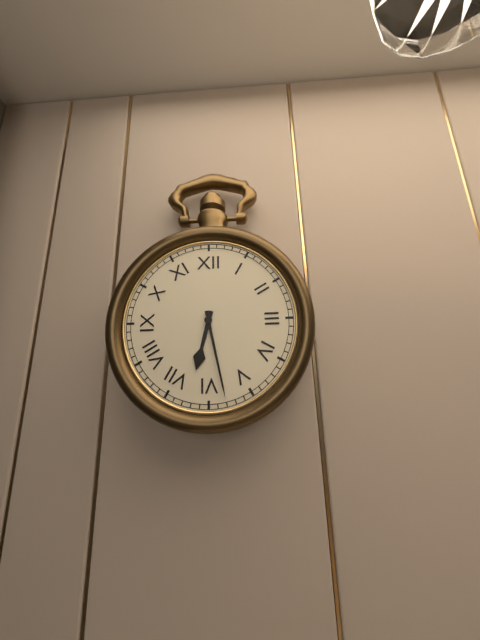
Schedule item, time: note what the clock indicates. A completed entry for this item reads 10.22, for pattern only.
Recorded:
6.28
